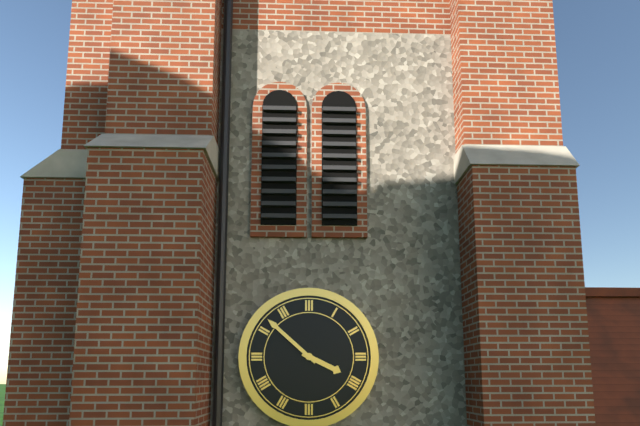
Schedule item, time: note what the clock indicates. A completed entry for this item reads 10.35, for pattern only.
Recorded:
3.52
